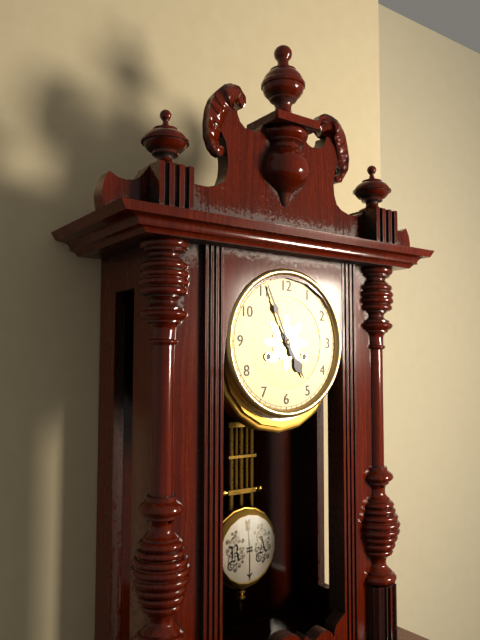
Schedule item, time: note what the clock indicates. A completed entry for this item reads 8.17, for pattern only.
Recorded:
4.56
